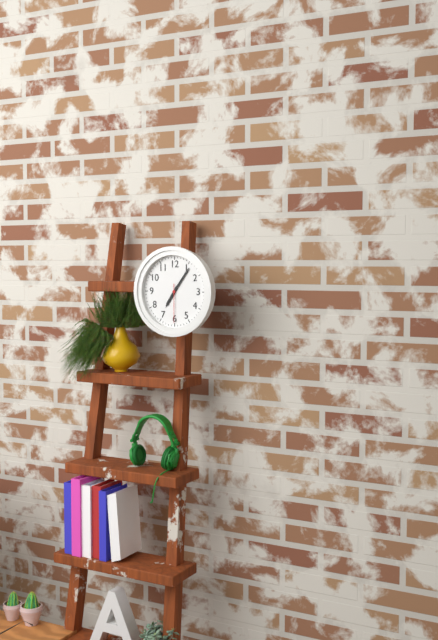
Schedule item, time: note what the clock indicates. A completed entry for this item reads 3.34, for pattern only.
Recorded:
7.06
